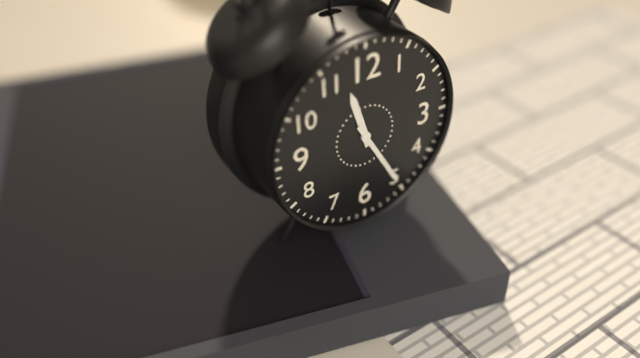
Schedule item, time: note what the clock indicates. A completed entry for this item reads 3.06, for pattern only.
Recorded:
11.25
